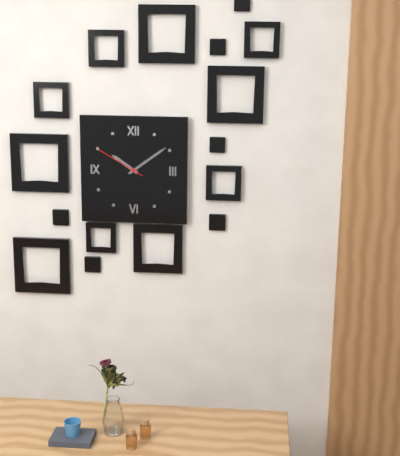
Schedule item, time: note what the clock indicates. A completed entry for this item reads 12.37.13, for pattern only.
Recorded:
10.09.50
